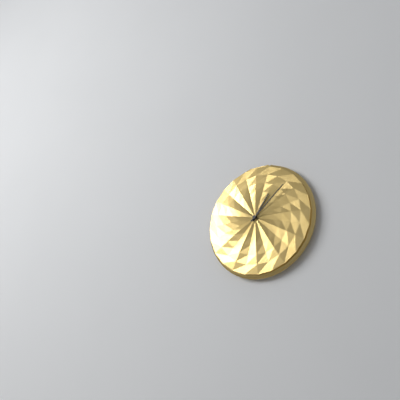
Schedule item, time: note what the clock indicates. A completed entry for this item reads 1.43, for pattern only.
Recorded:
1.08
